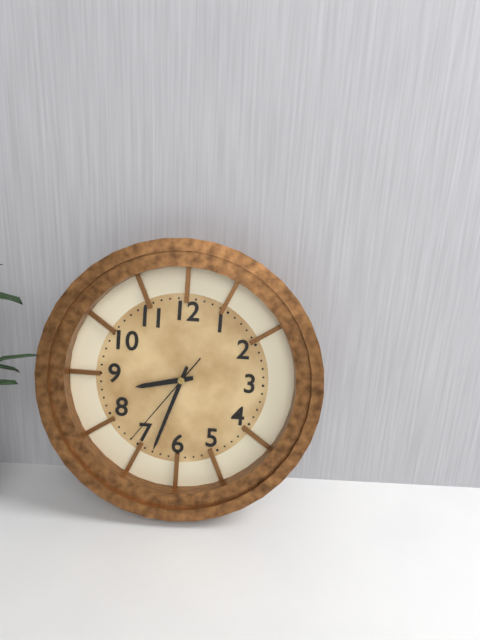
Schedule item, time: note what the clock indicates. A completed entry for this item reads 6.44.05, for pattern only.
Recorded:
8.33.36
